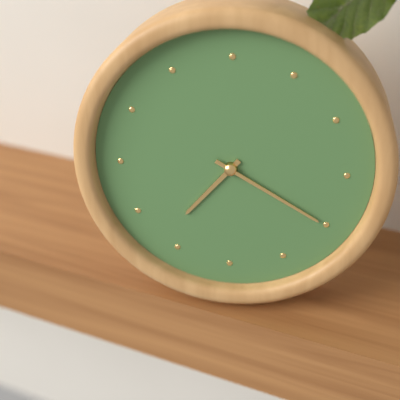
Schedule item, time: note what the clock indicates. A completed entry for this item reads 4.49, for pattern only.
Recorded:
7.20
